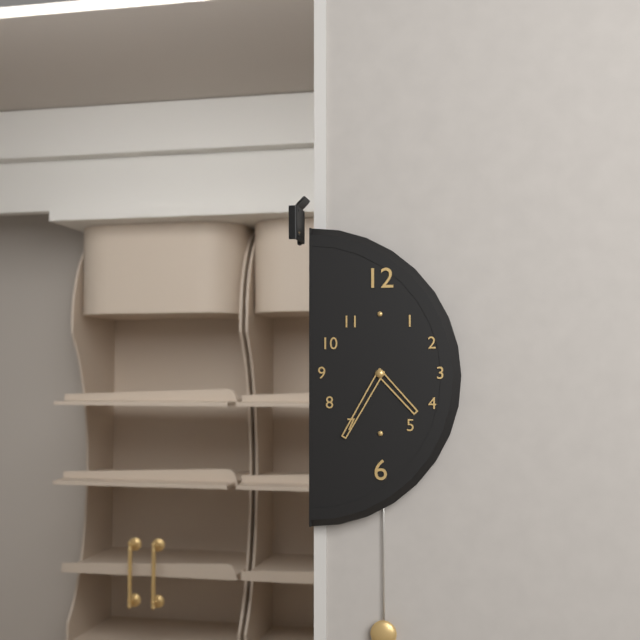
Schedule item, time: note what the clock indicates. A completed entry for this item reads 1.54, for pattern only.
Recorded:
4.35
